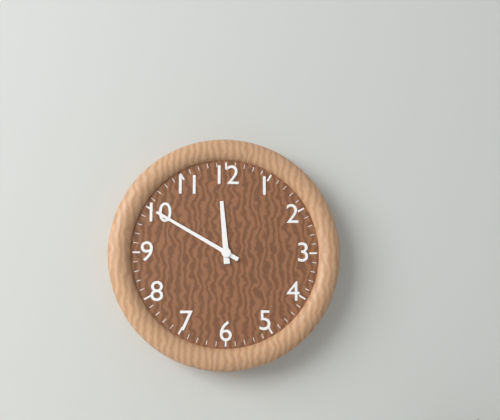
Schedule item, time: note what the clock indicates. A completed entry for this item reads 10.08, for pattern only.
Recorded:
11.50
